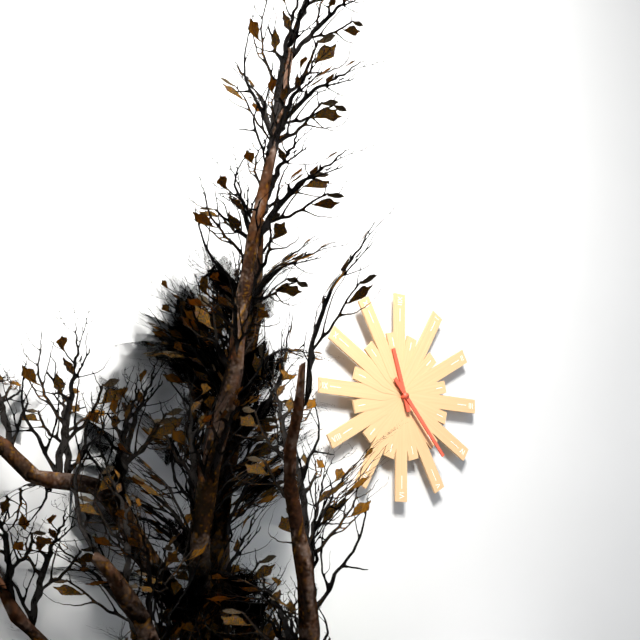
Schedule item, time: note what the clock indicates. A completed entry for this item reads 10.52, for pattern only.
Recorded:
11.23
